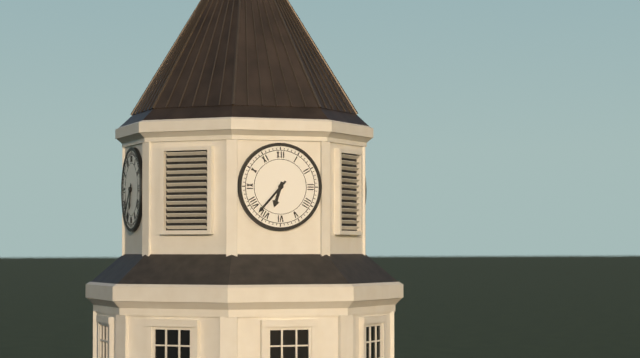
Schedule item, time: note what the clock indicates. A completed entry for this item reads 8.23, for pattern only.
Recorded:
6.37
